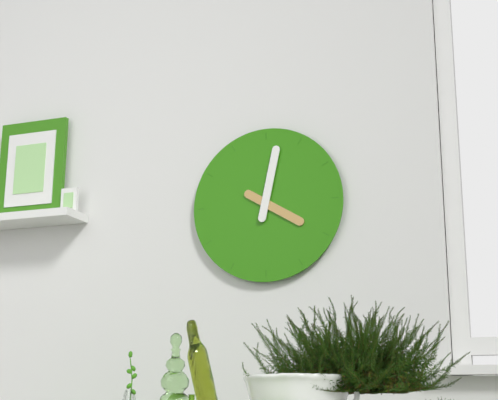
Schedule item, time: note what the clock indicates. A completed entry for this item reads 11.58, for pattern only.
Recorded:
4.02
